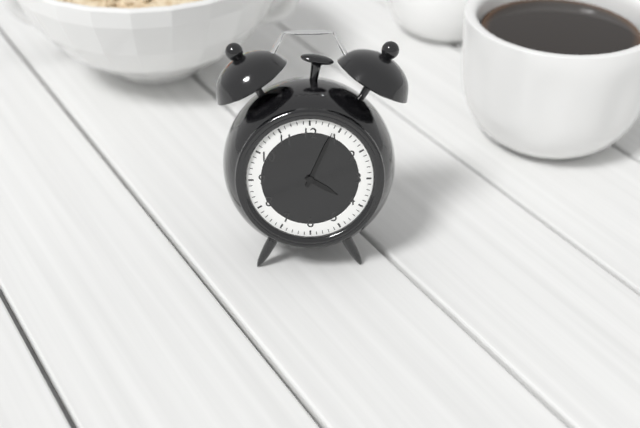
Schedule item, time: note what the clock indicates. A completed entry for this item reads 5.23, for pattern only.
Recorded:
4.04
